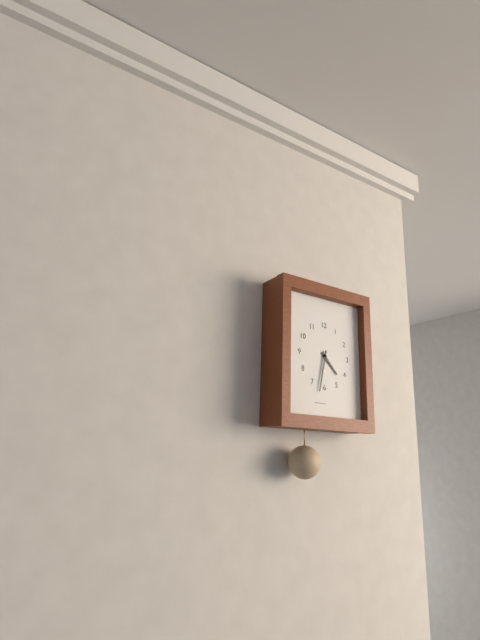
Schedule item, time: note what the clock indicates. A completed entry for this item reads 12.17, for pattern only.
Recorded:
4.32
